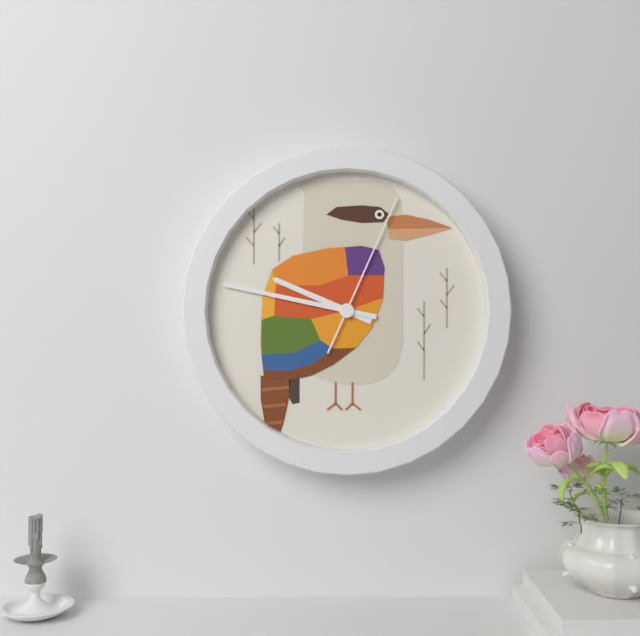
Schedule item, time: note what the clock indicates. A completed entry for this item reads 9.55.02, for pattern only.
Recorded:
9.47.04
